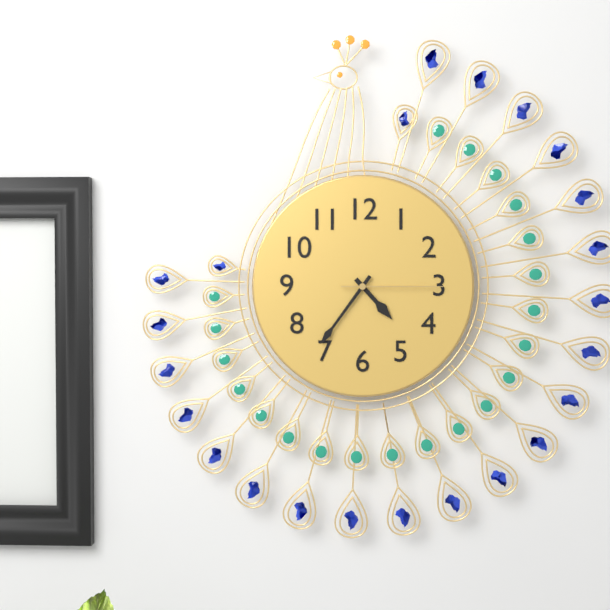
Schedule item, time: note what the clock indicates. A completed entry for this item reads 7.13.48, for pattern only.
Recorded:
4.36.15
